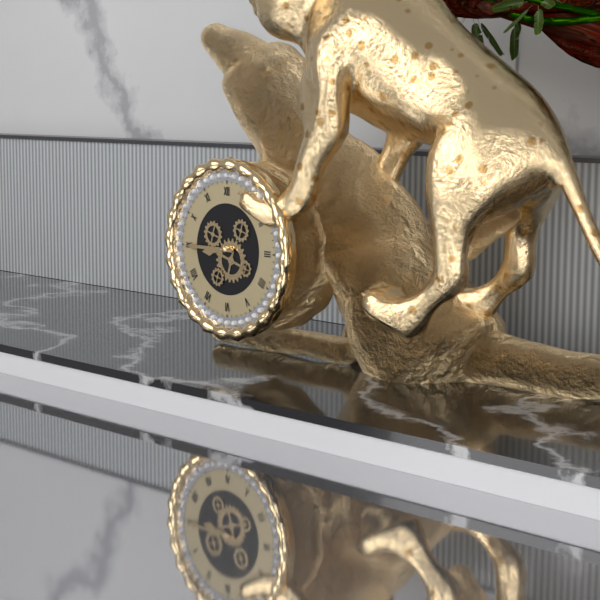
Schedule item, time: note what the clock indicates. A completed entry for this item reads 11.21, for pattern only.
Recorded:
8.45
